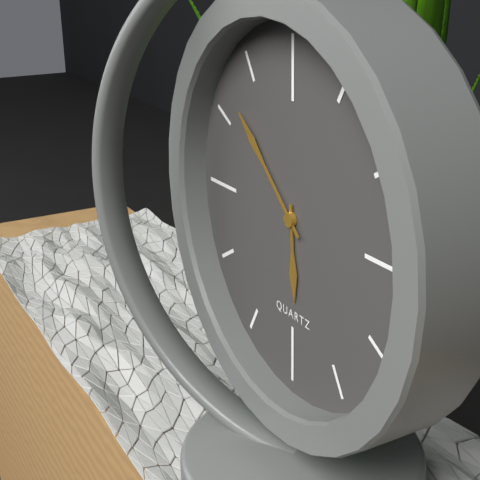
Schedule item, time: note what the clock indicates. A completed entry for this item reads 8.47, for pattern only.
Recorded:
5.52
